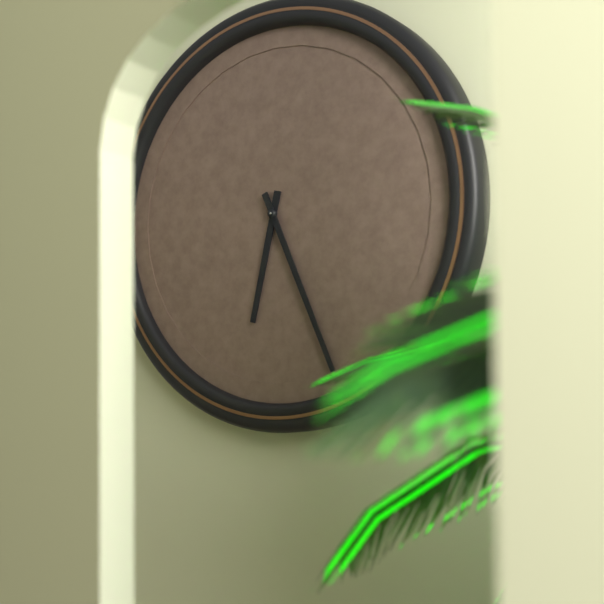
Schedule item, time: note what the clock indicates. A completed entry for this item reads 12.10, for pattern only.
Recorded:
6.26
